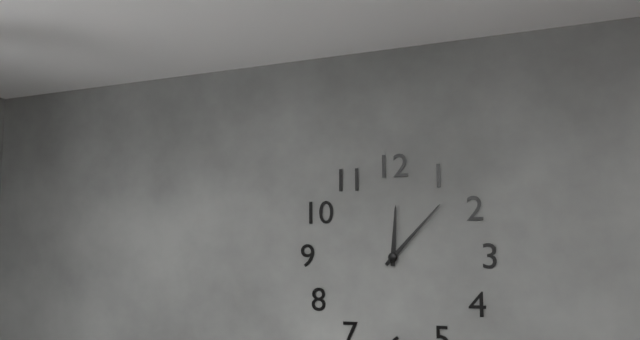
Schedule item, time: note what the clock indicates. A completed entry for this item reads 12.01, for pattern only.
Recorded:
12.07
